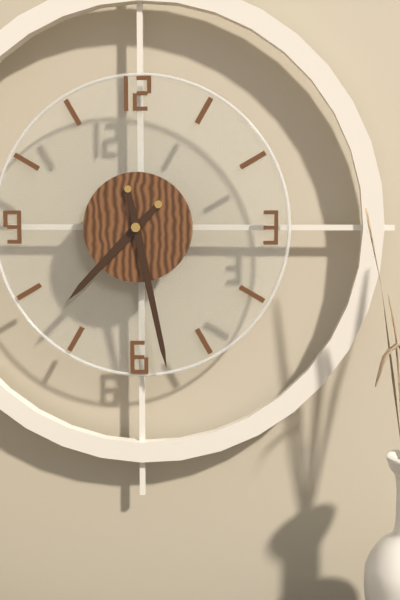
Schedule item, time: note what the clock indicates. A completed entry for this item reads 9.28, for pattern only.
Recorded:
7.28
